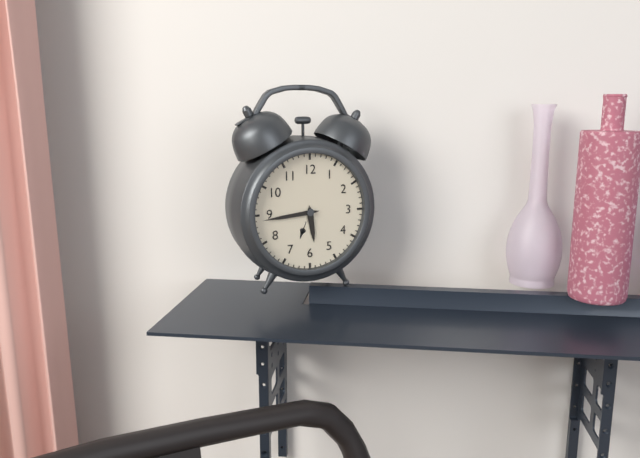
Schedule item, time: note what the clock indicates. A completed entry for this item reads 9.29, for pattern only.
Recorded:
5.44
